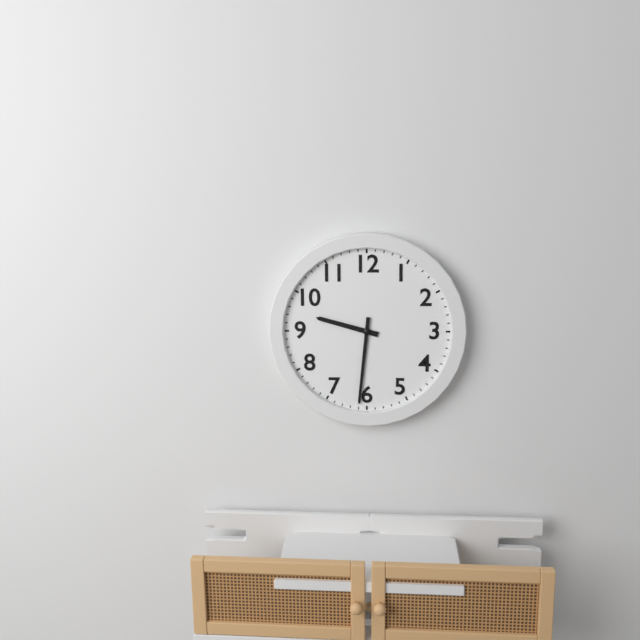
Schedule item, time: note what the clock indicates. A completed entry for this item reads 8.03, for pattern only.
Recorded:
9.31
